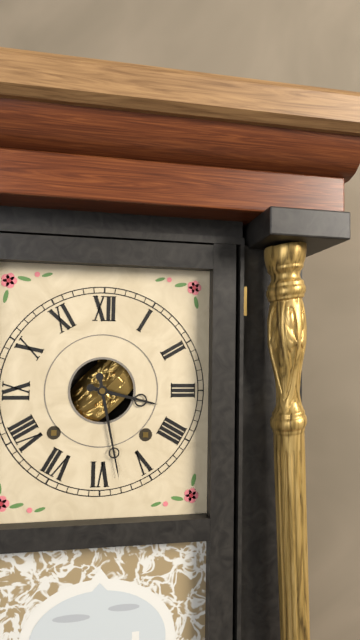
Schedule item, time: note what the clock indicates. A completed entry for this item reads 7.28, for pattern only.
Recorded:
3.28
